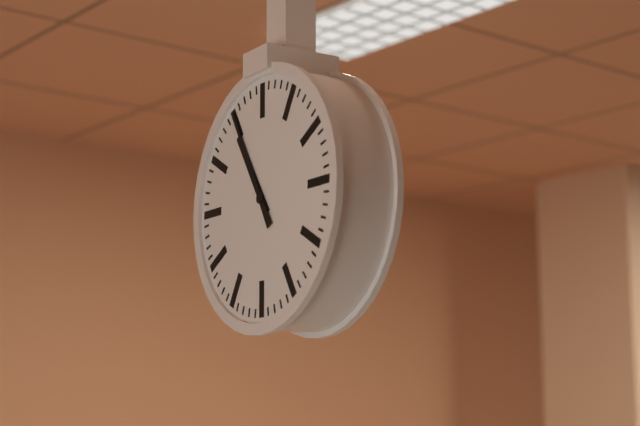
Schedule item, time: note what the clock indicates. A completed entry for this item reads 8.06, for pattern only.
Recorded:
10.55
